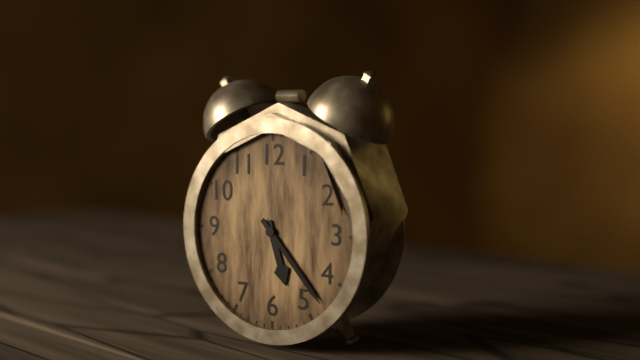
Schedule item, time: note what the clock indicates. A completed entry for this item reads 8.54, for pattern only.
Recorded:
5.23
